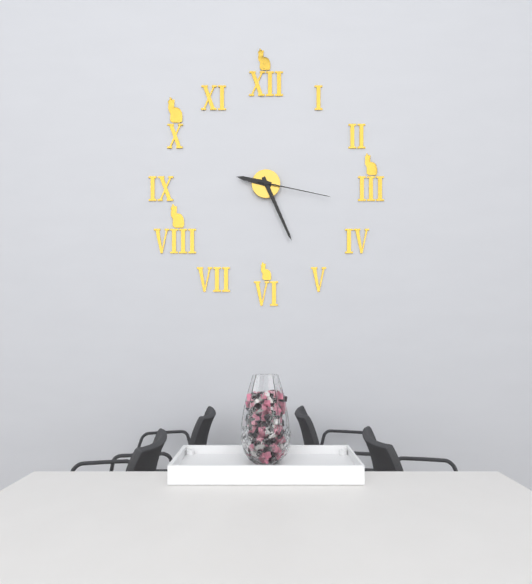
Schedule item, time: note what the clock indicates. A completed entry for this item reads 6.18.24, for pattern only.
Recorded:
9.26.17
